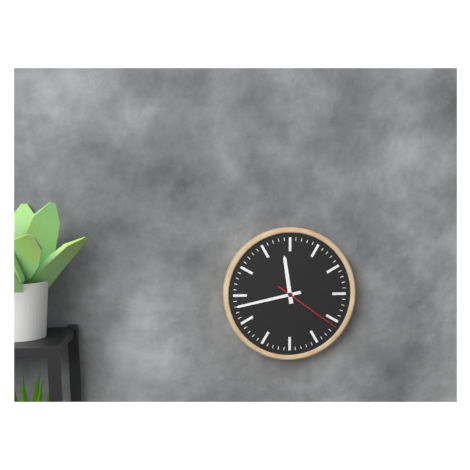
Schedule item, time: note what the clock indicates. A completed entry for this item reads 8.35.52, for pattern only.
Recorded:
11.43.21
